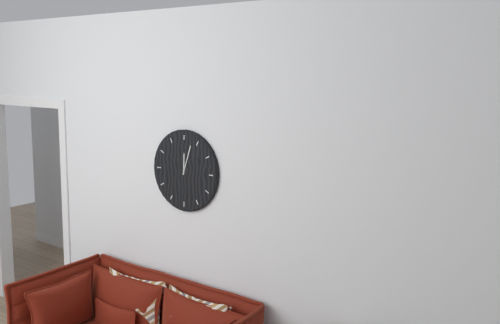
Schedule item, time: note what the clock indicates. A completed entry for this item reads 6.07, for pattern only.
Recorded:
12.03
